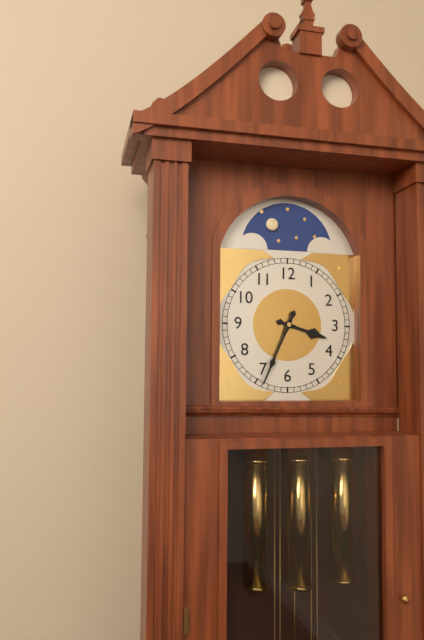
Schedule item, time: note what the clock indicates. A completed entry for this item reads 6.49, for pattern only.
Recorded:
3.34
